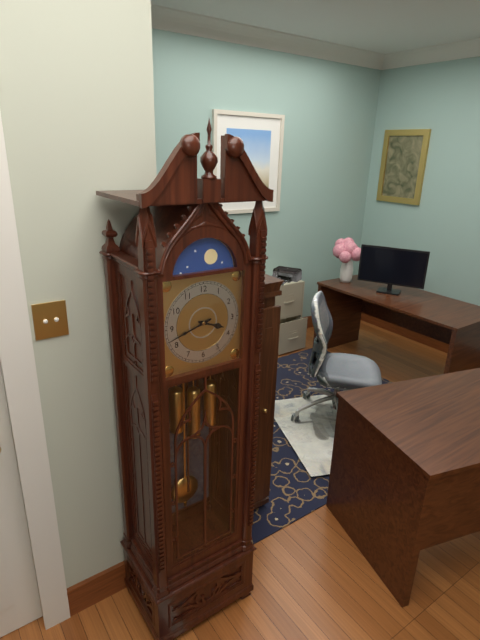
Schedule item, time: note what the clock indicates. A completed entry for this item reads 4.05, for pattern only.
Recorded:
3.42
